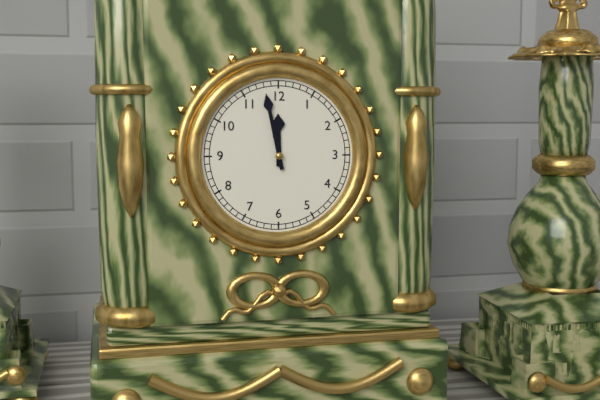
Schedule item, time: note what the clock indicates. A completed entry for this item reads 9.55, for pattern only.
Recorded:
11.58
